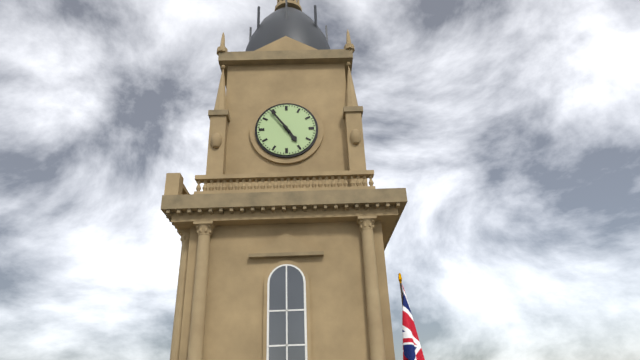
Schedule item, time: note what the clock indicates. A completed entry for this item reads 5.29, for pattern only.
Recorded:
4.54
